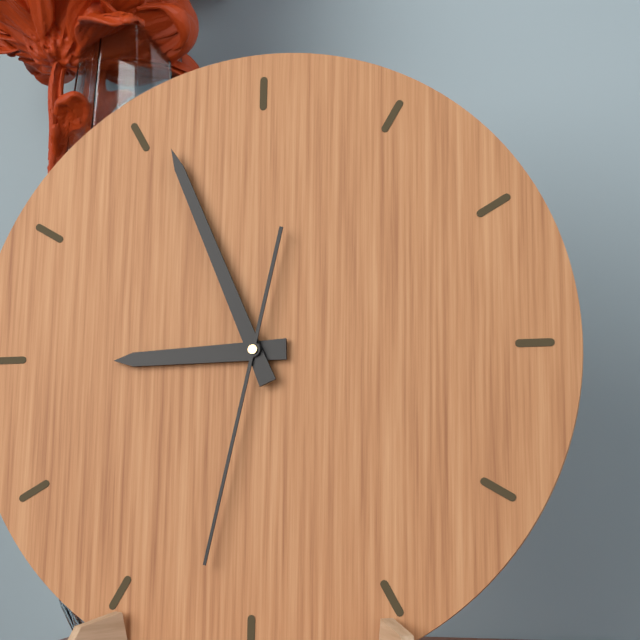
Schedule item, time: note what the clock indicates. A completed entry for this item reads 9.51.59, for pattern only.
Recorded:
8.56.32
